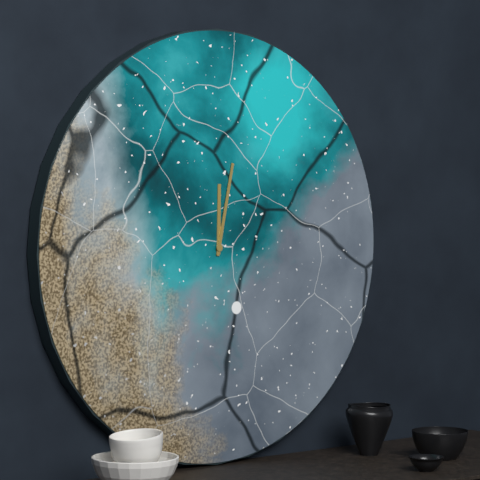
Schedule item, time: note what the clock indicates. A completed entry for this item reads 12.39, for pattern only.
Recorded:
12.02
